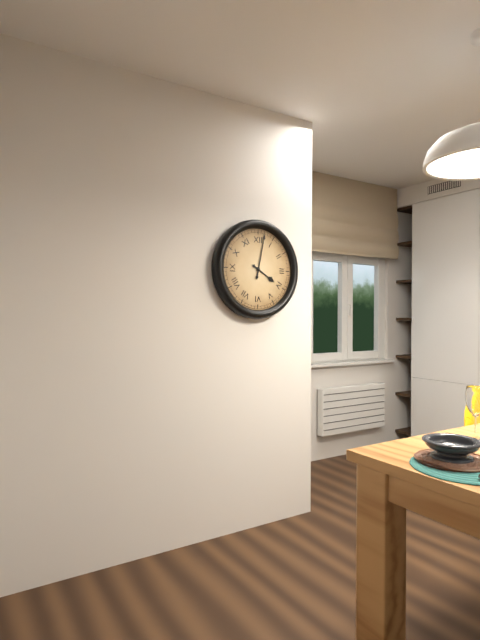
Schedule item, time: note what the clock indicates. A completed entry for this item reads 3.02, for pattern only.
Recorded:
4.02
